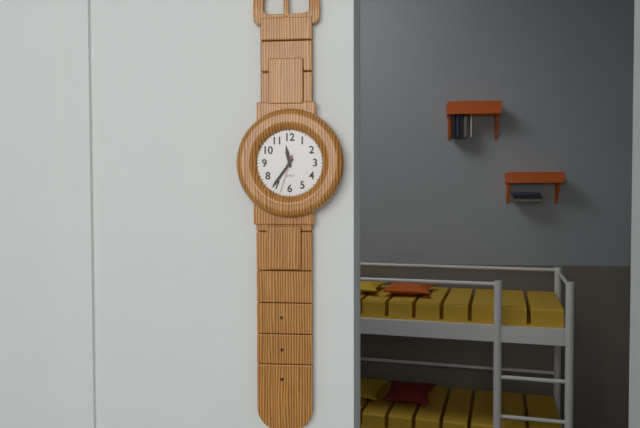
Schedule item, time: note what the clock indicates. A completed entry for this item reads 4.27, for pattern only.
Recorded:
11.36
